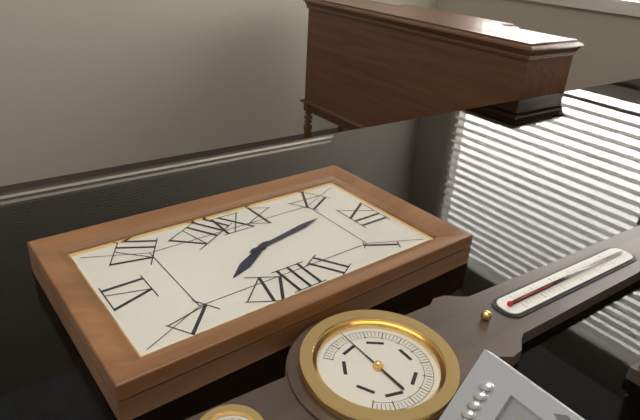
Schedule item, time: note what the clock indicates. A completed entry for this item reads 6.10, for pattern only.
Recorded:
4.58
